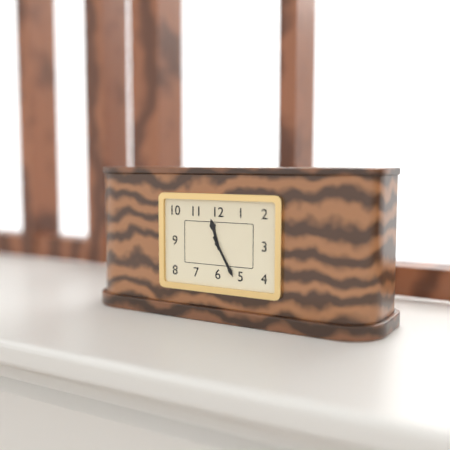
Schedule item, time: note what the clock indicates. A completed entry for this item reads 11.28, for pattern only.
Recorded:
11.25
